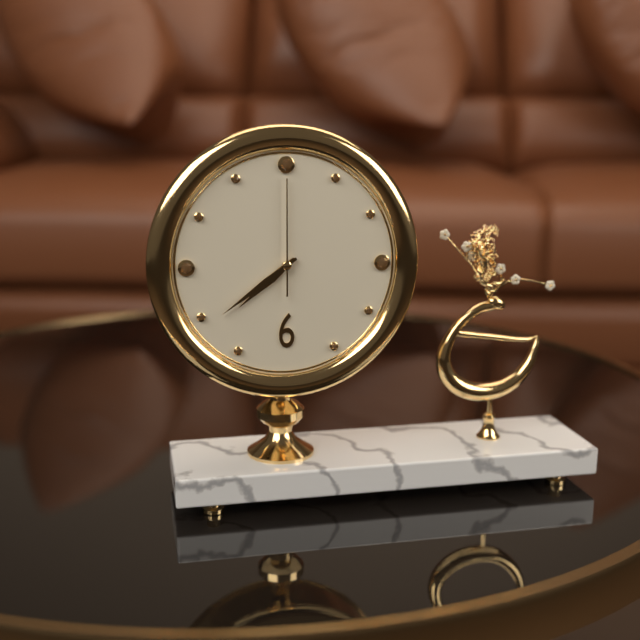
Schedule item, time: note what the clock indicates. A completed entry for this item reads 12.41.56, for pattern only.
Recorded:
7.39.00
